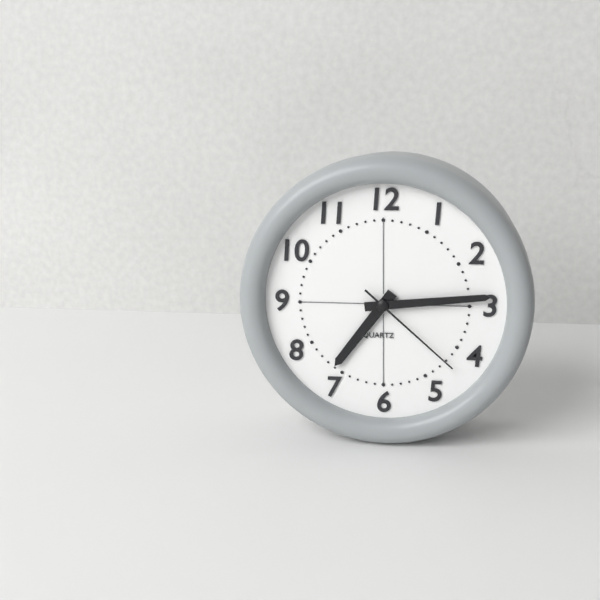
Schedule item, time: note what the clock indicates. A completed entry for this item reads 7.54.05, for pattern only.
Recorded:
7.14.22
